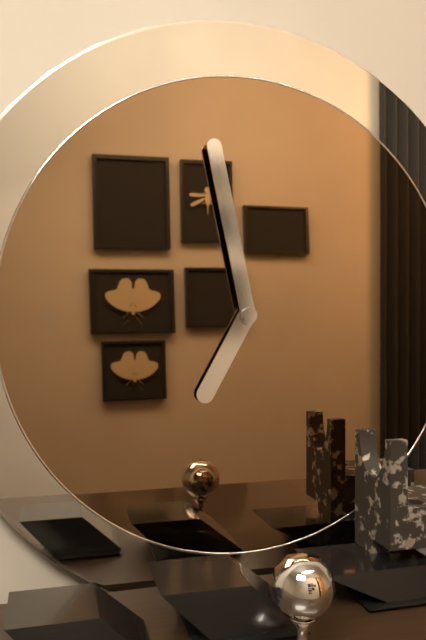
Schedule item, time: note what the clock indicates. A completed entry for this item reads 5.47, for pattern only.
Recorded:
6.58
